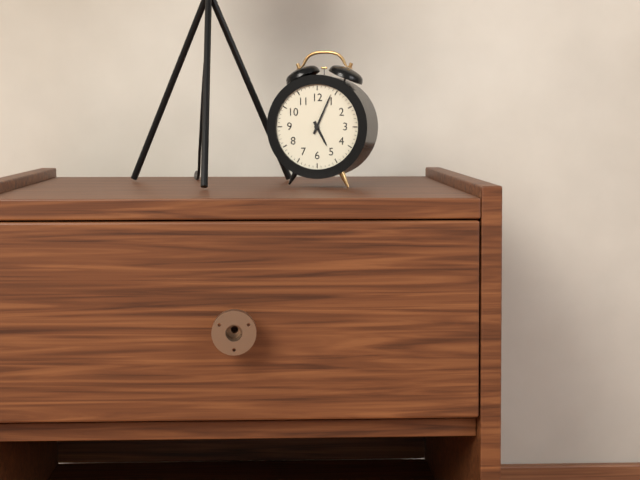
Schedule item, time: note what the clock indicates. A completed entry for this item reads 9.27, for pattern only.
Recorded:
5.04
